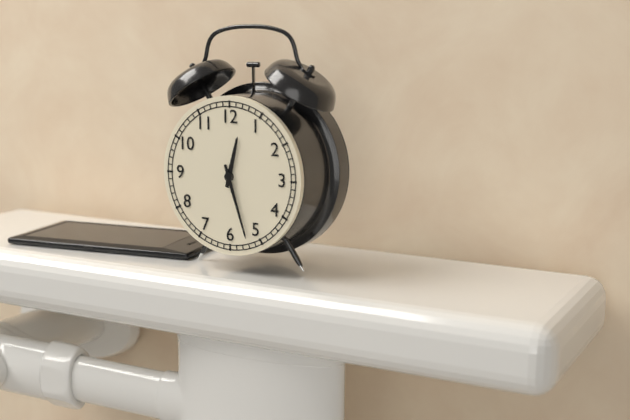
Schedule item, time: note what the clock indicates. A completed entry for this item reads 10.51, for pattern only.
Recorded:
12.27
